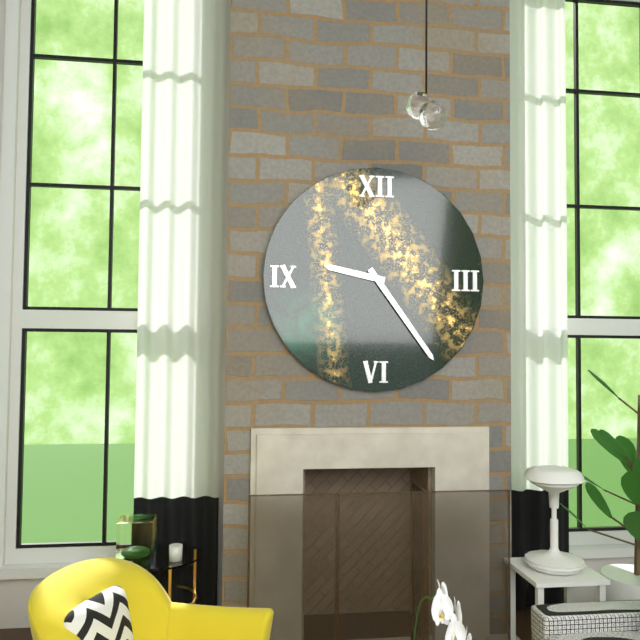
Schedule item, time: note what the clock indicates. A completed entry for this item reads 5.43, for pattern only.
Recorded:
9.24
